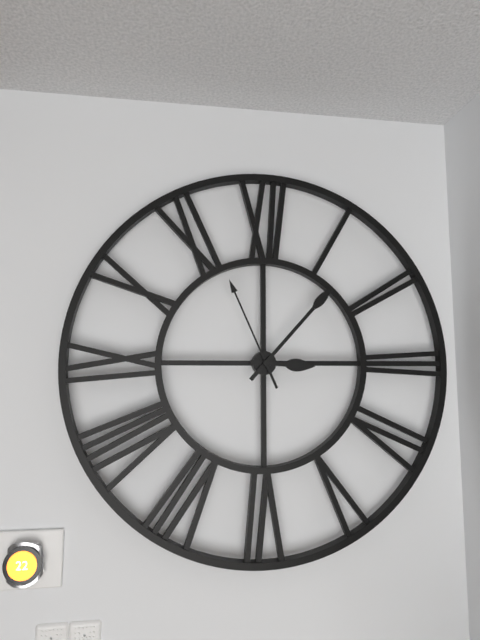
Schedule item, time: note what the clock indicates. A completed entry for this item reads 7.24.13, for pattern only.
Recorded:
3.07.56
